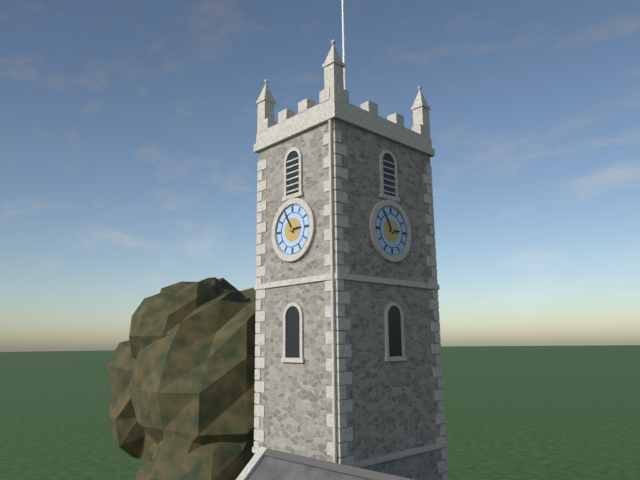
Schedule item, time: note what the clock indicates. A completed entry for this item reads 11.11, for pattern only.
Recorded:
2.55
